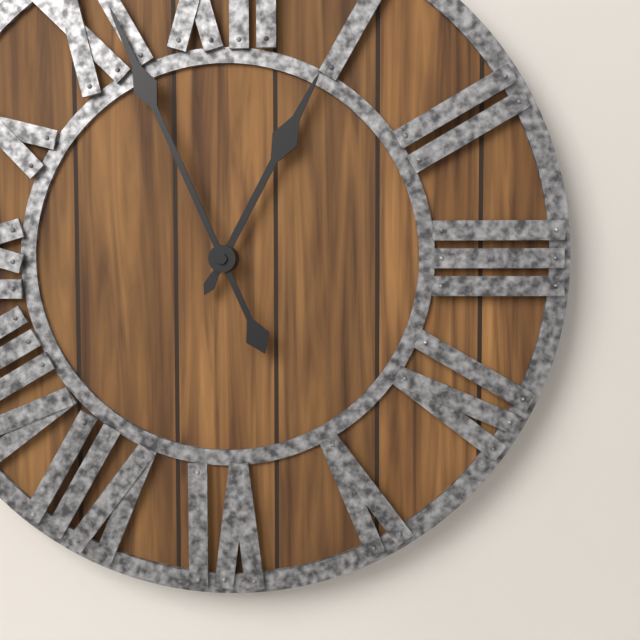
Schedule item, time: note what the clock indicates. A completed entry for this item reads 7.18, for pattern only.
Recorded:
12.56
